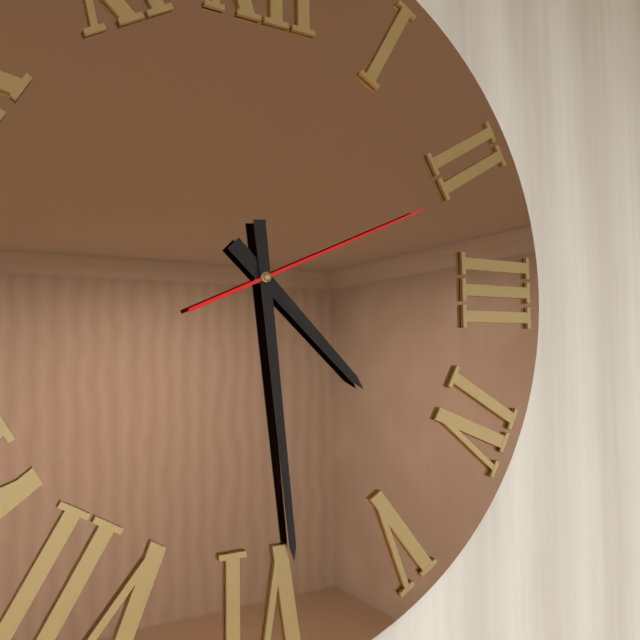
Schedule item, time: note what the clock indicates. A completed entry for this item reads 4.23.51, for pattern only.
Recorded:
4.29.11
